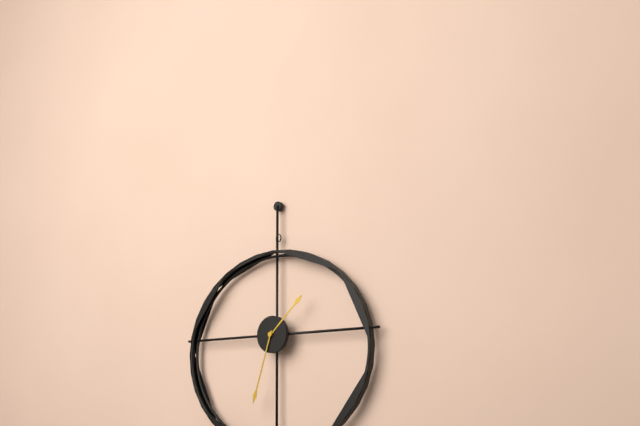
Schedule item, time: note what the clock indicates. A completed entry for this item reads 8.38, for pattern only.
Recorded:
1.33
